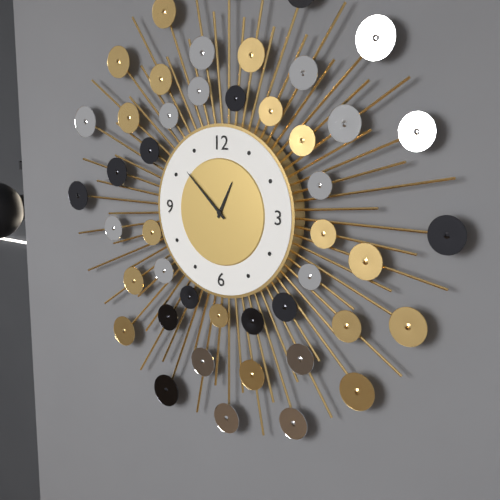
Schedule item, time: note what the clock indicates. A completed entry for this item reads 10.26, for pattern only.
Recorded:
12.52
